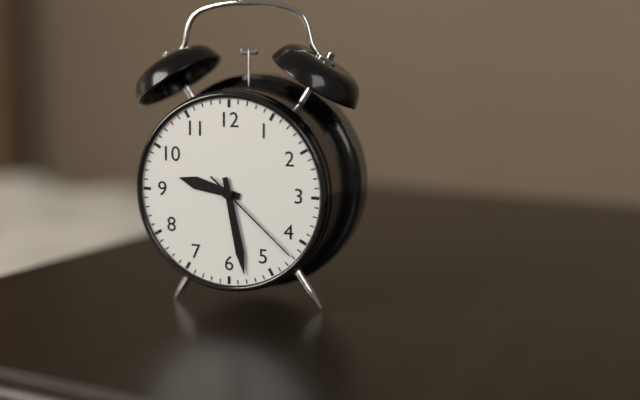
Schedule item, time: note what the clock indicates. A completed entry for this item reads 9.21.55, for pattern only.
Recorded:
9.28.22
